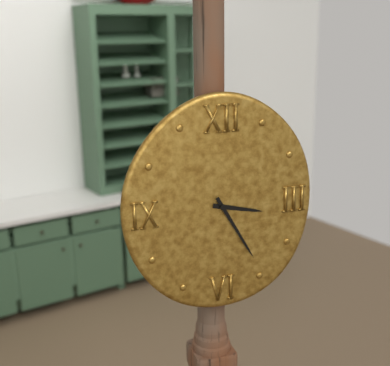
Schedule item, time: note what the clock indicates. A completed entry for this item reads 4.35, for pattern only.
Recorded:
3.25
